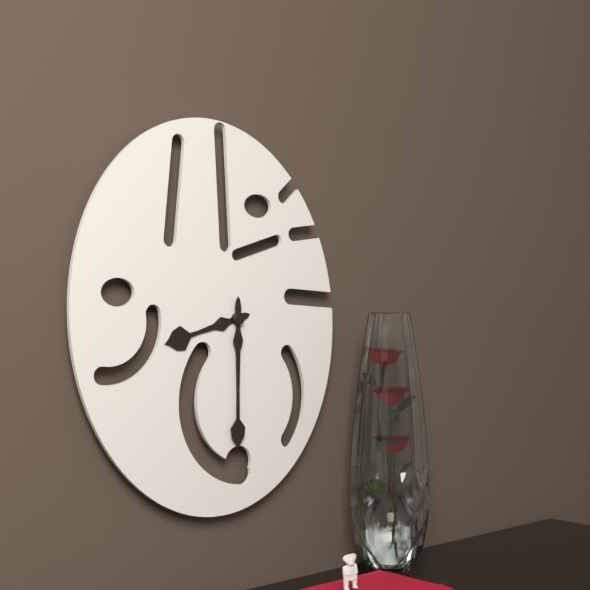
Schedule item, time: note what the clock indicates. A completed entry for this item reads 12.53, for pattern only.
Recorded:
8.30
